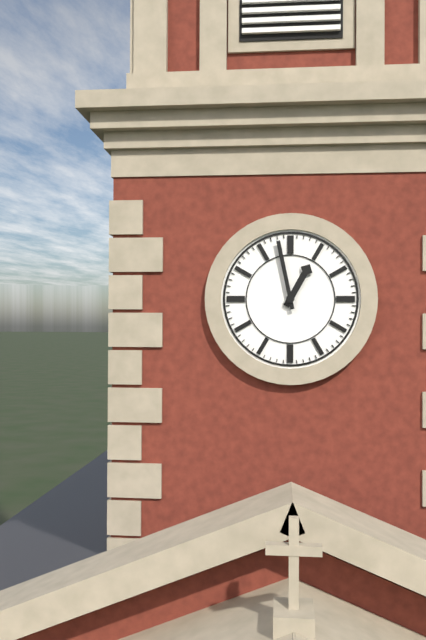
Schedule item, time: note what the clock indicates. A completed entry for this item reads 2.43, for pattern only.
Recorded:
12.58
